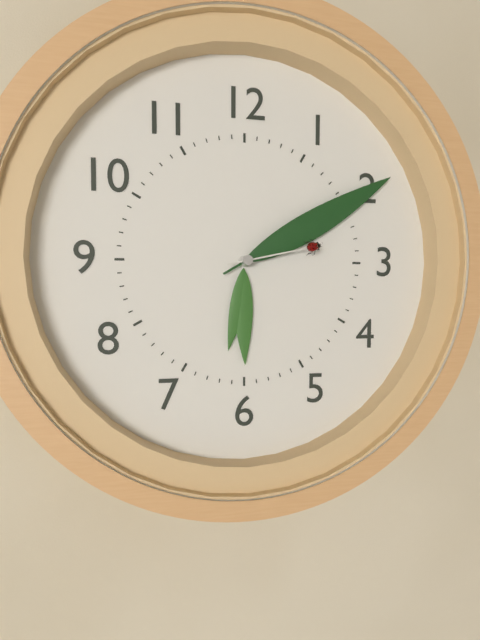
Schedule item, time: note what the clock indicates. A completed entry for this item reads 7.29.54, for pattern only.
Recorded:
6.10.13
